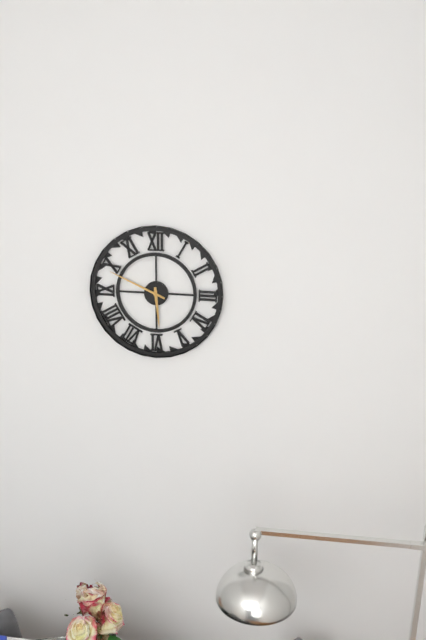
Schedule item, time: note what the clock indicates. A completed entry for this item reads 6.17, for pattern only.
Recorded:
5.49
